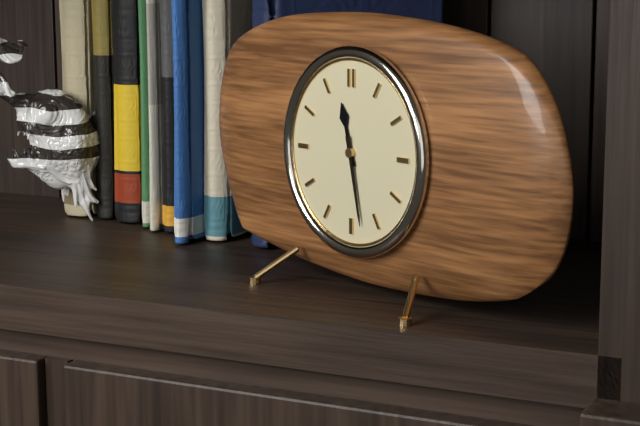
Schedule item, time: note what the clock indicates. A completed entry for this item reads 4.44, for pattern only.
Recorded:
11.28
